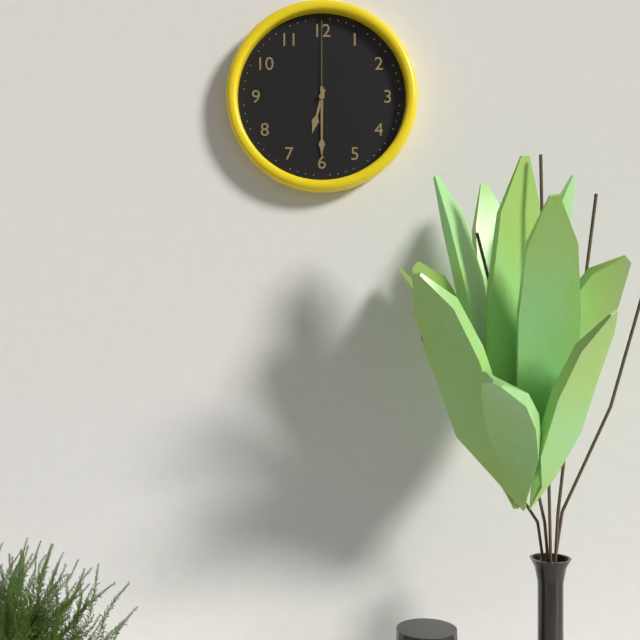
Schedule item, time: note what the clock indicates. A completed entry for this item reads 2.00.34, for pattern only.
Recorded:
6.30.00
